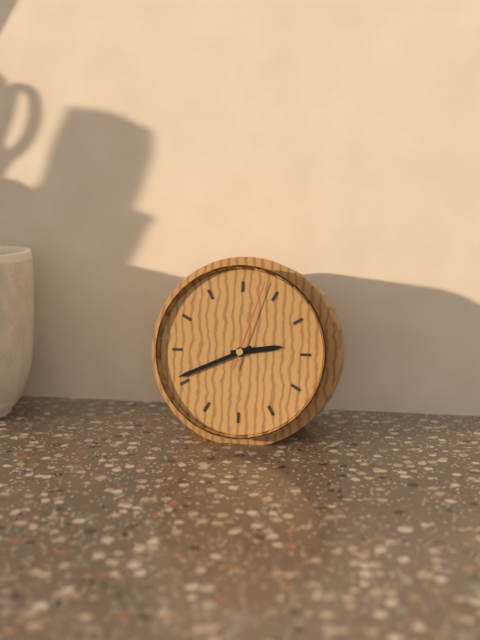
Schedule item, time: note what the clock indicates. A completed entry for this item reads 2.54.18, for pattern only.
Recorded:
2.41.03
